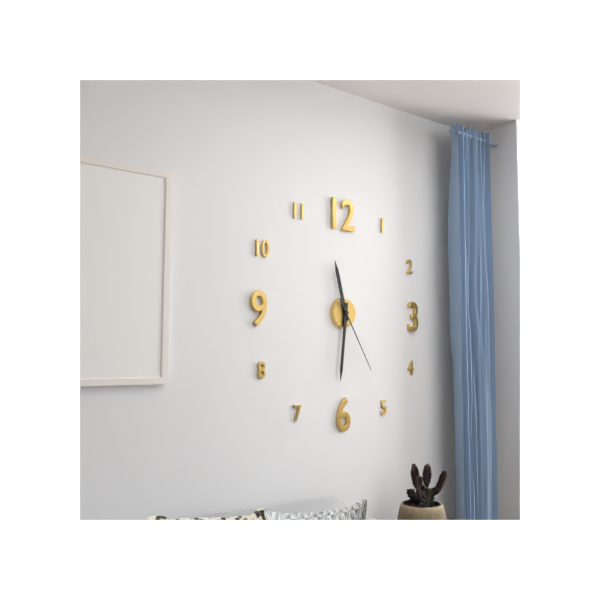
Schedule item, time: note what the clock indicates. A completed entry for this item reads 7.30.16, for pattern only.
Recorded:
11.31.25
